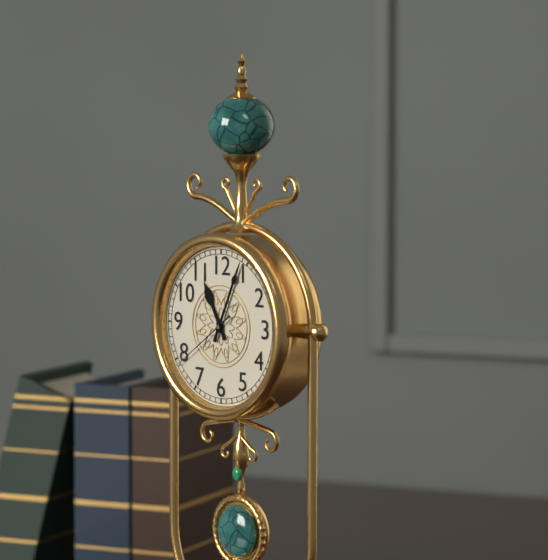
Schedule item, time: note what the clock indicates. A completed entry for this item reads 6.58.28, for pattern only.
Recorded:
11.04.39
